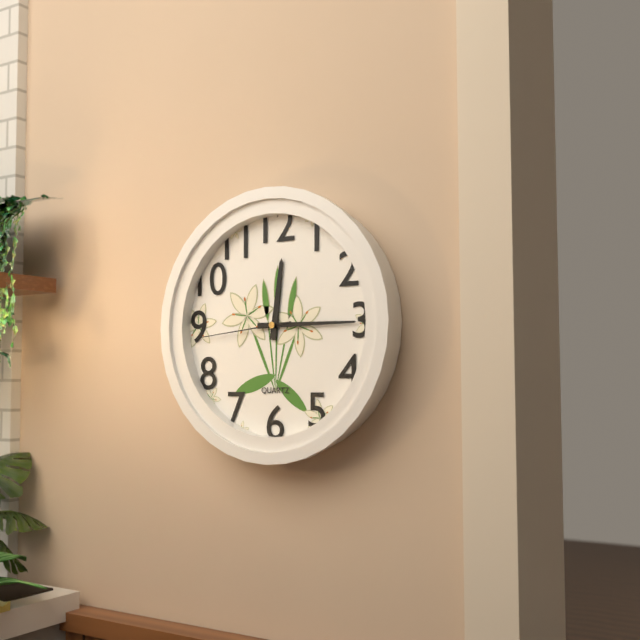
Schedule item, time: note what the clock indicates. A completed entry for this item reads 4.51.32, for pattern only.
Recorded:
12.15.44
